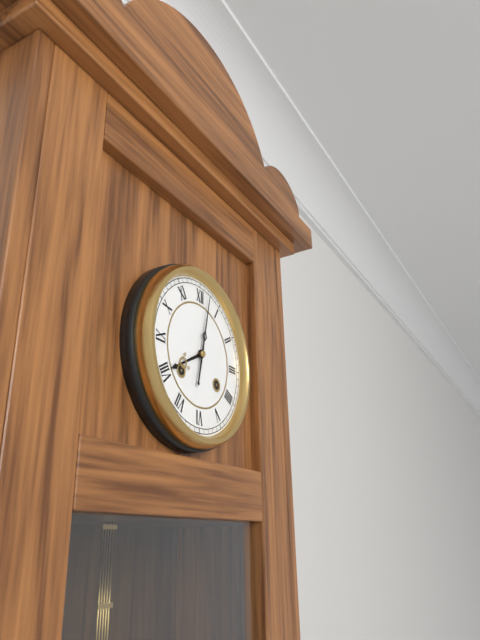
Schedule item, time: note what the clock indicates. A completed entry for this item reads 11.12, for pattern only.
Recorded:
8.02
